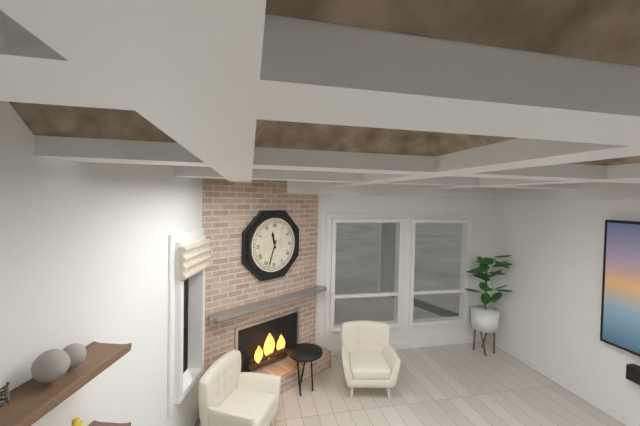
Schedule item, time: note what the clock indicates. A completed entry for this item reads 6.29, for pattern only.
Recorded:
11.33
